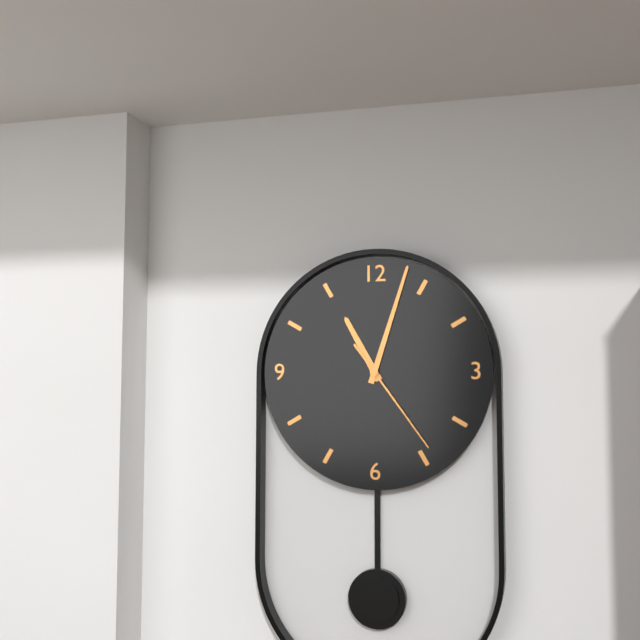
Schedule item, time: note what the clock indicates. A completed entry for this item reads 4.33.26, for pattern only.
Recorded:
11.03.24
